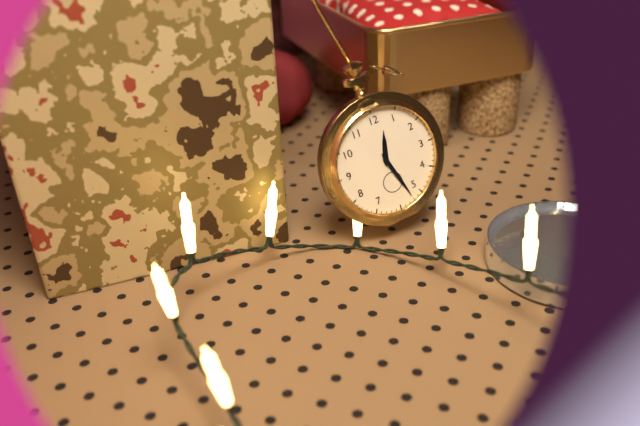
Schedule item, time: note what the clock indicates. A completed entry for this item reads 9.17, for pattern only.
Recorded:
12.27
